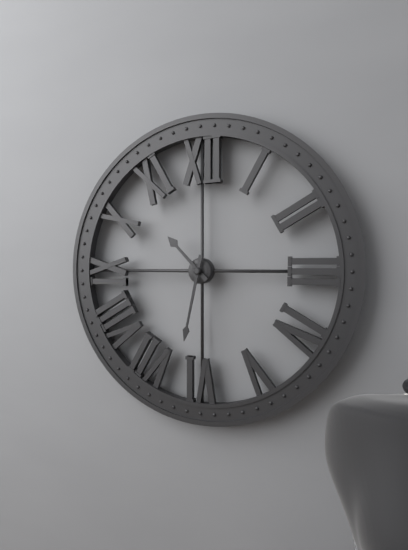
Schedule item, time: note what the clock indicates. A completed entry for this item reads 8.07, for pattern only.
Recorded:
10.32
